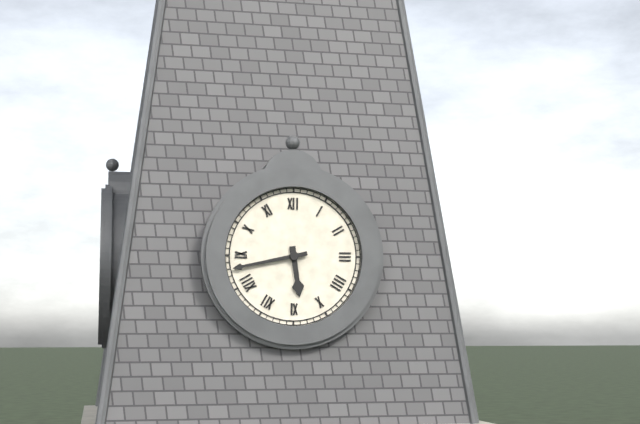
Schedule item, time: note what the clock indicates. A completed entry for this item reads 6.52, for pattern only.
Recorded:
5.43
